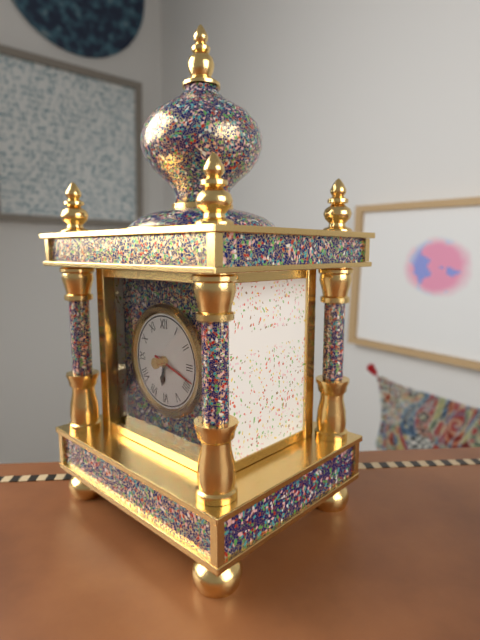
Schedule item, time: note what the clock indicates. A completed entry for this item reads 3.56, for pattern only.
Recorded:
6.18
